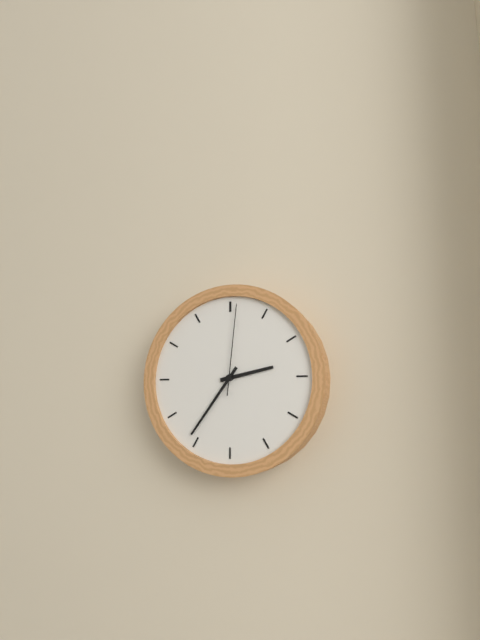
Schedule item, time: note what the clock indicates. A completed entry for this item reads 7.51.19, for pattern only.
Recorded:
2.36.01
